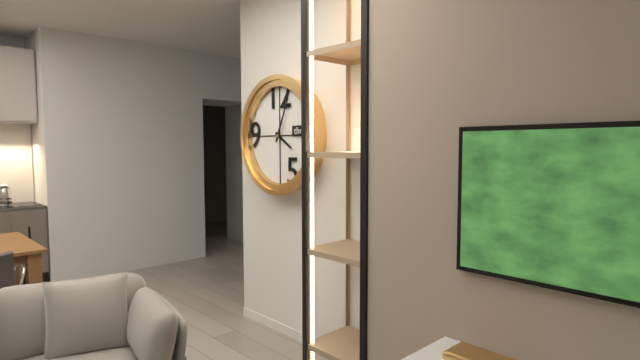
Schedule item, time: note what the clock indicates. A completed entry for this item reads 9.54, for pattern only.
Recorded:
4.04
